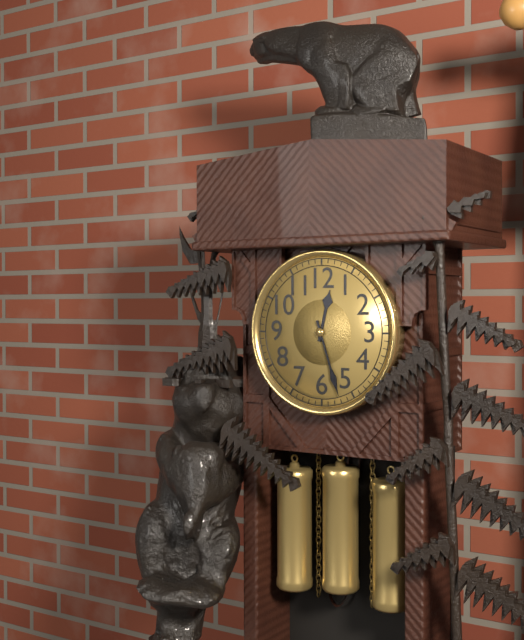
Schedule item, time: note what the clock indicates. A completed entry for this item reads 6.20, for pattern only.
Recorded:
12.27
